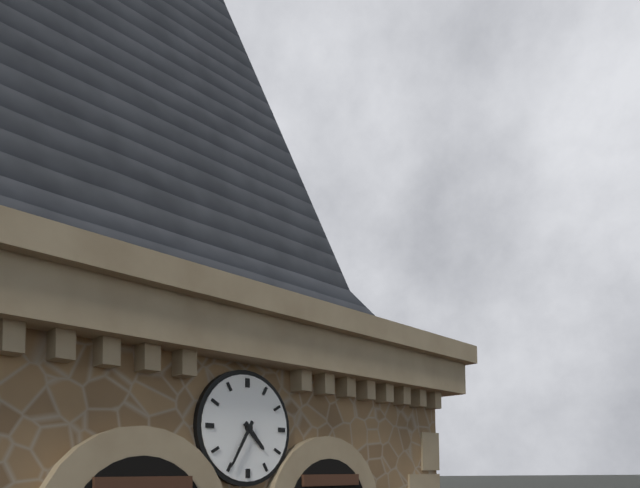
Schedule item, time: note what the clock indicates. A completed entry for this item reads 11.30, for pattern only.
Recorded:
4.35
